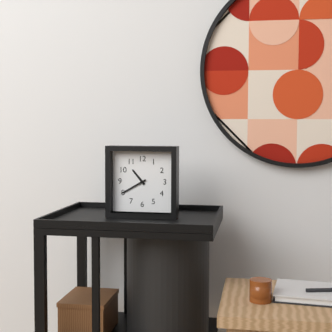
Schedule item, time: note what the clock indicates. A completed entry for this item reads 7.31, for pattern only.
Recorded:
10.40
